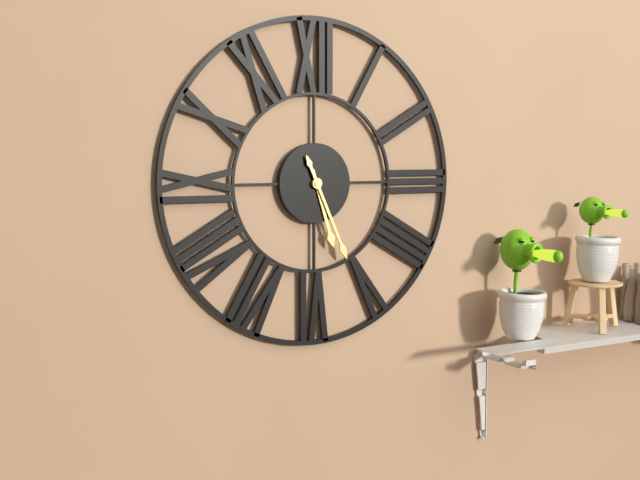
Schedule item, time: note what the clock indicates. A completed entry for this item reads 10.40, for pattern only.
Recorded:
5.26
